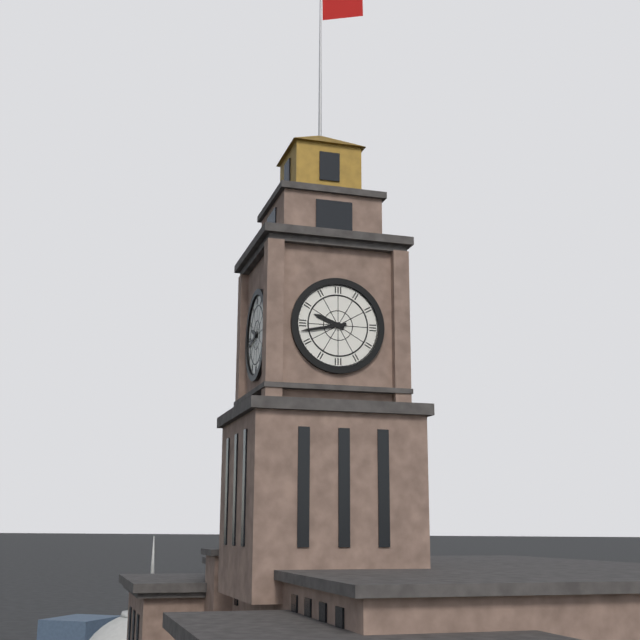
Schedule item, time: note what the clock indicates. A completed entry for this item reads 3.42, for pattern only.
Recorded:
9.43
